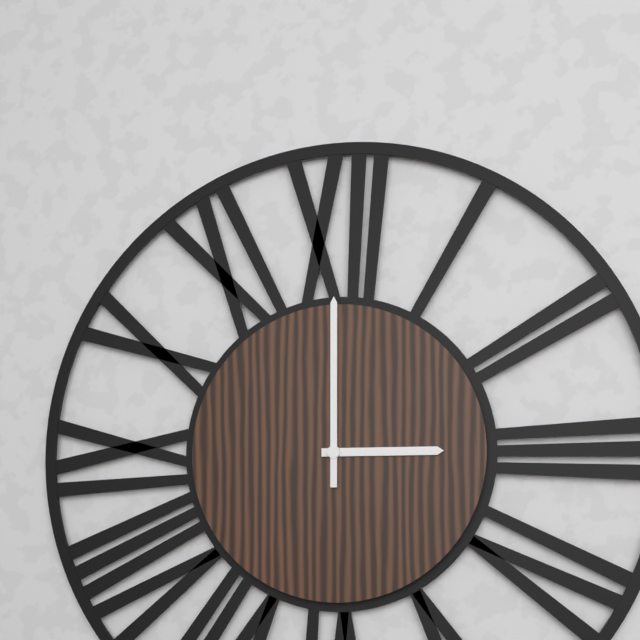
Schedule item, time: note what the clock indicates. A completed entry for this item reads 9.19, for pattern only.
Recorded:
3.00
